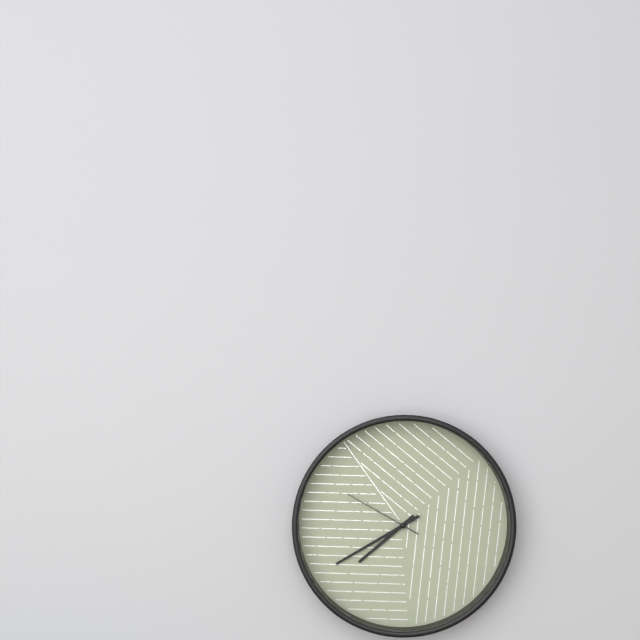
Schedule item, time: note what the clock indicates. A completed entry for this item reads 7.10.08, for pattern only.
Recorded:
7.40.50
